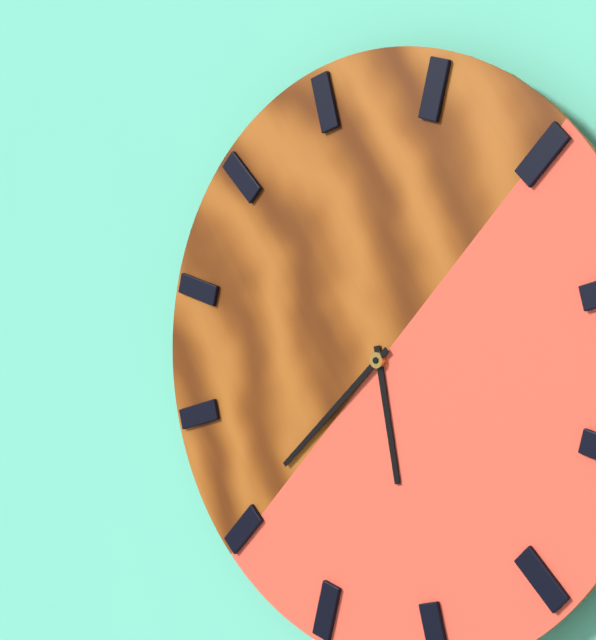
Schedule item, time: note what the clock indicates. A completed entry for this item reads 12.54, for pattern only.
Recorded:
5.38
